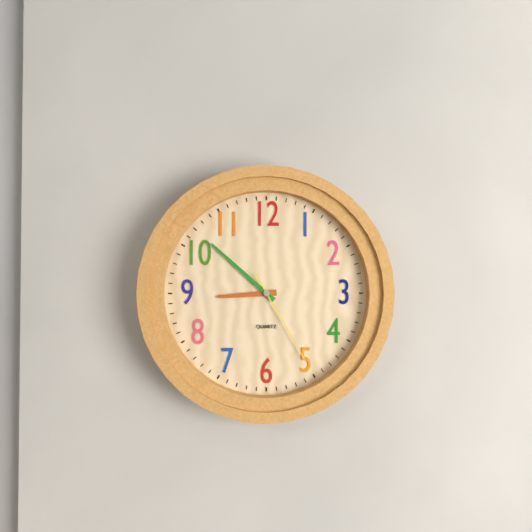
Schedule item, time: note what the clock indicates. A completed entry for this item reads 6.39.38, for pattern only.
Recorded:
8.52.25
